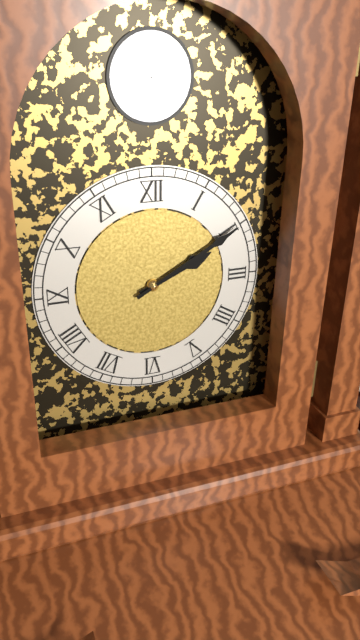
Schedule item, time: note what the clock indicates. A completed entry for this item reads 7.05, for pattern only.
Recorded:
2.10
